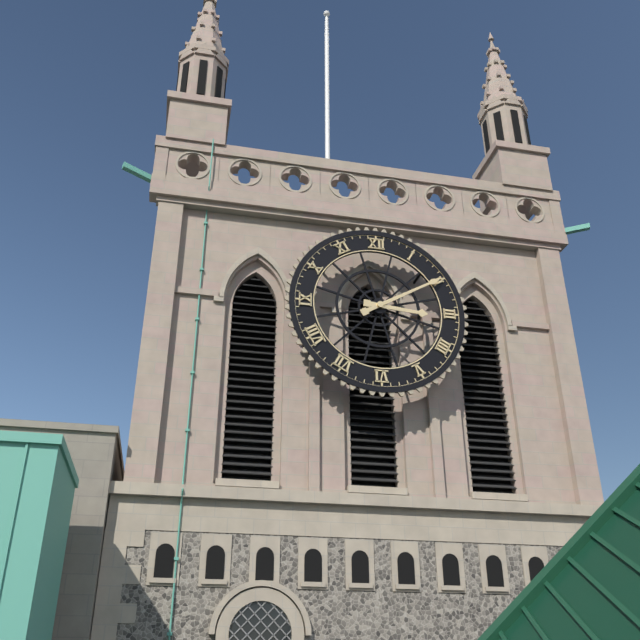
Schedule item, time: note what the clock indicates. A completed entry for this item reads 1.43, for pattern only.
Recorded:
3.10
